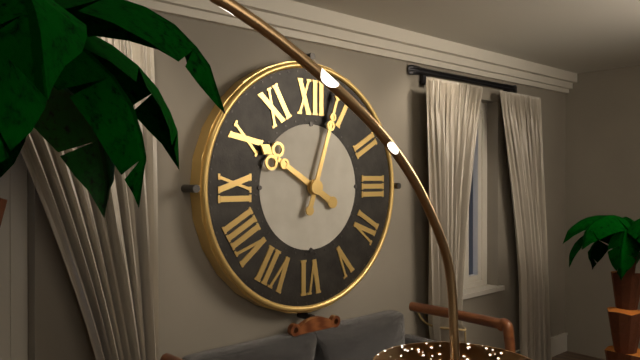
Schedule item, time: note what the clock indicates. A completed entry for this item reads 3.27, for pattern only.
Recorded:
10.03
